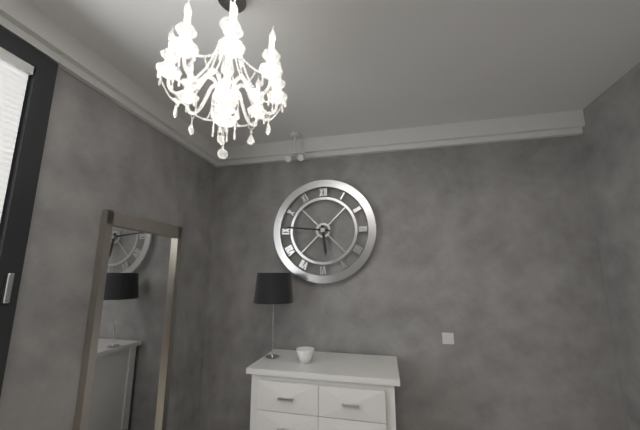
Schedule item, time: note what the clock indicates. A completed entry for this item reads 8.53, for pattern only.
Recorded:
5.46
